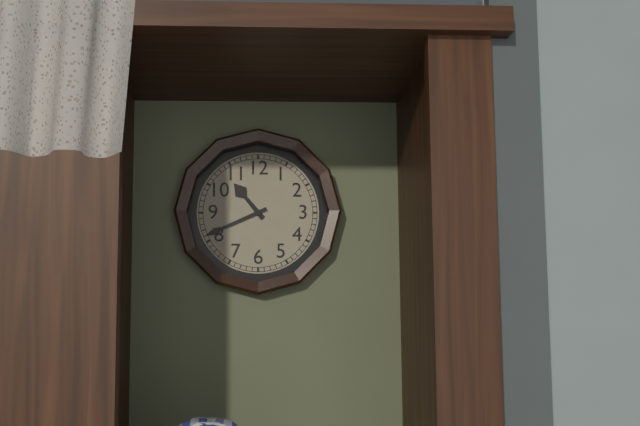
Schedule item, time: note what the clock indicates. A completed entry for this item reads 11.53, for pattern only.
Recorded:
10.41
